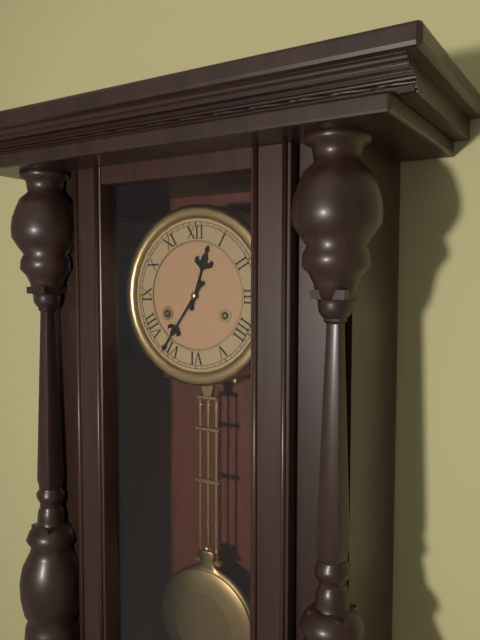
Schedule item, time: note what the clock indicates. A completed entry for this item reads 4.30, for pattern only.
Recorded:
12.36
